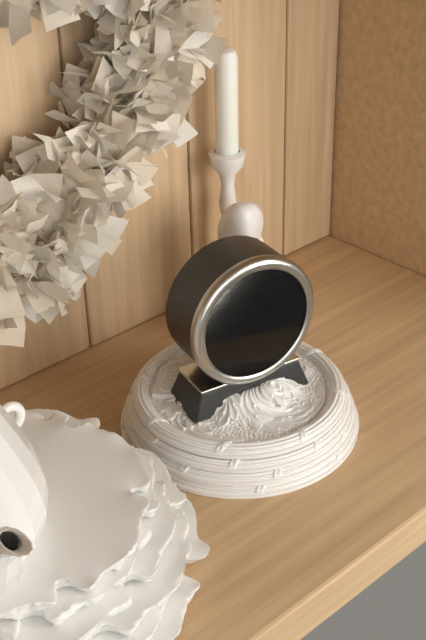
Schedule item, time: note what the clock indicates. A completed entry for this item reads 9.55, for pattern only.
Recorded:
2.28
